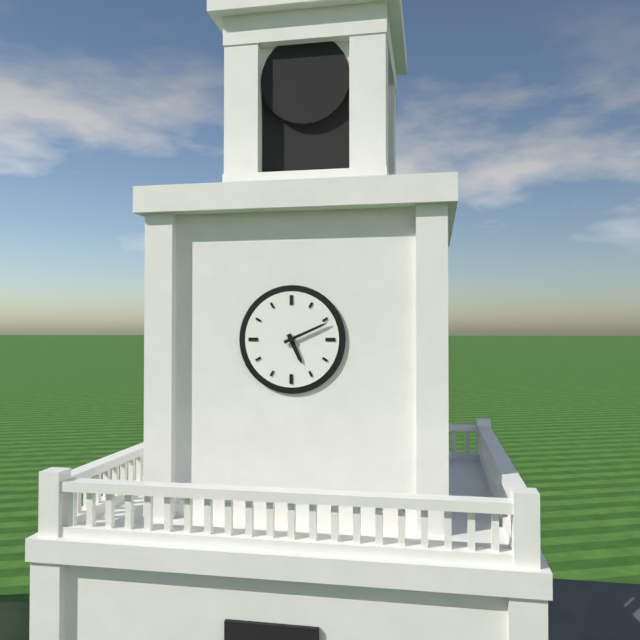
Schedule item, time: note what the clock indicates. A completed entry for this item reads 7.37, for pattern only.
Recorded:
5.11
